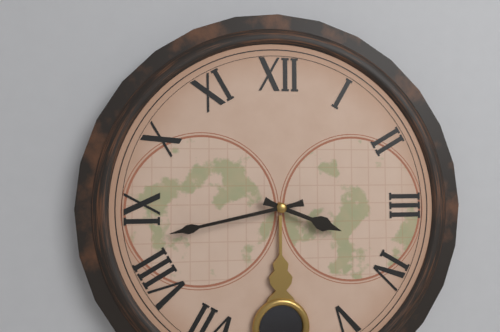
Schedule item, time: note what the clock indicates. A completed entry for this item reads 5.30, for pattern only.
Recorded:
3.43
